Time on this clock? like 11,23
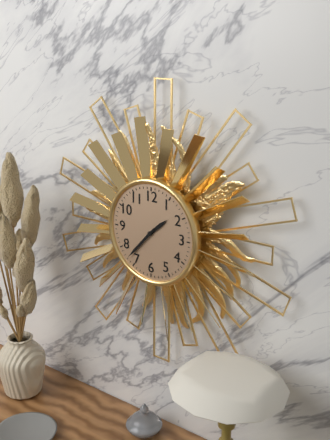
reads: 1,37
